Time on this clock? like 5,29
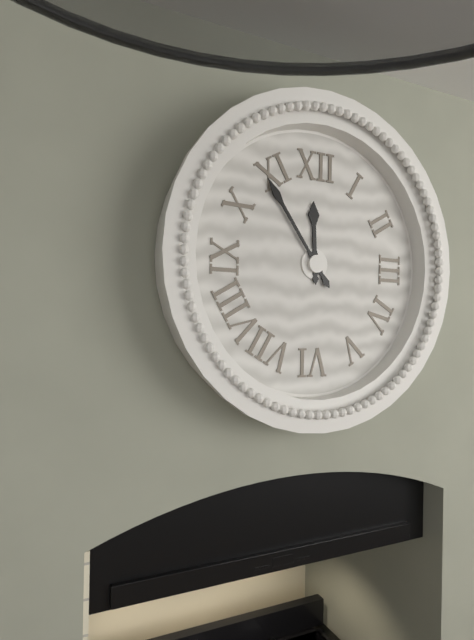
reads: 11,54
